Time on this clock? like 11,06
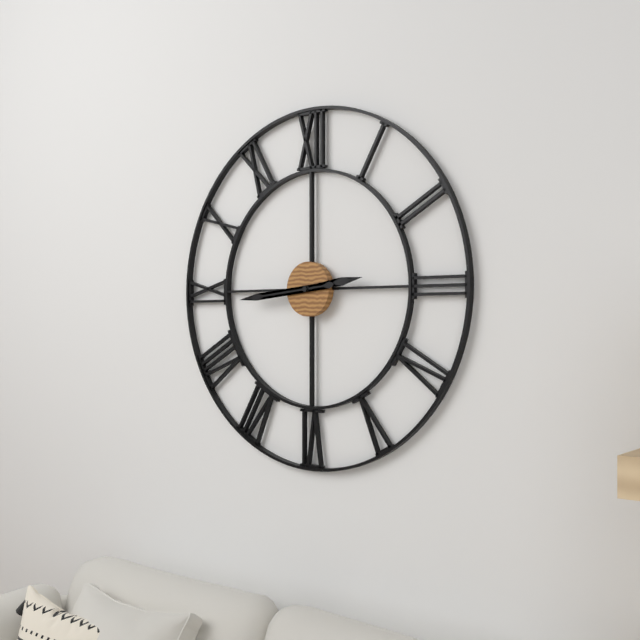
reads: 2,44
